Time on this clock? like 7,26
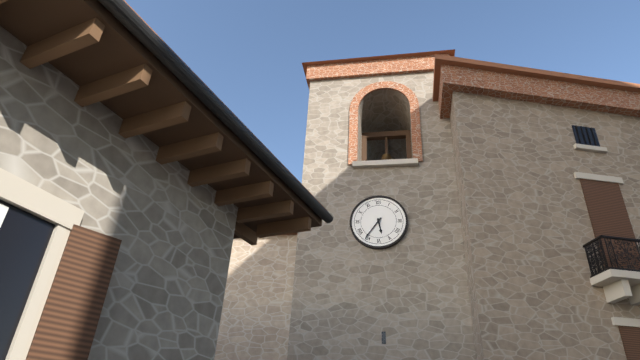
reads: 5,36
